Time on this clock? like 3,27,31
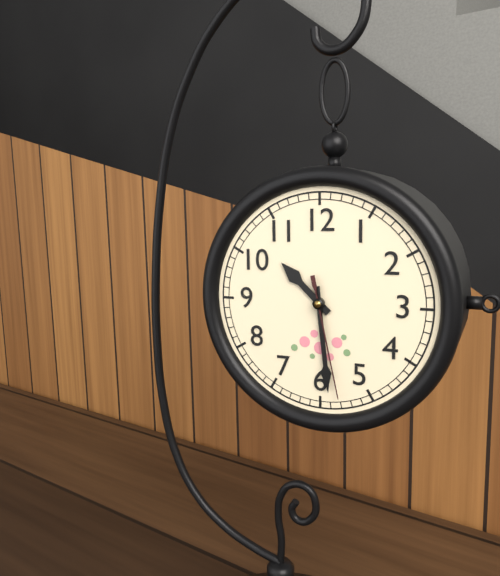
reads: 10,29,28
